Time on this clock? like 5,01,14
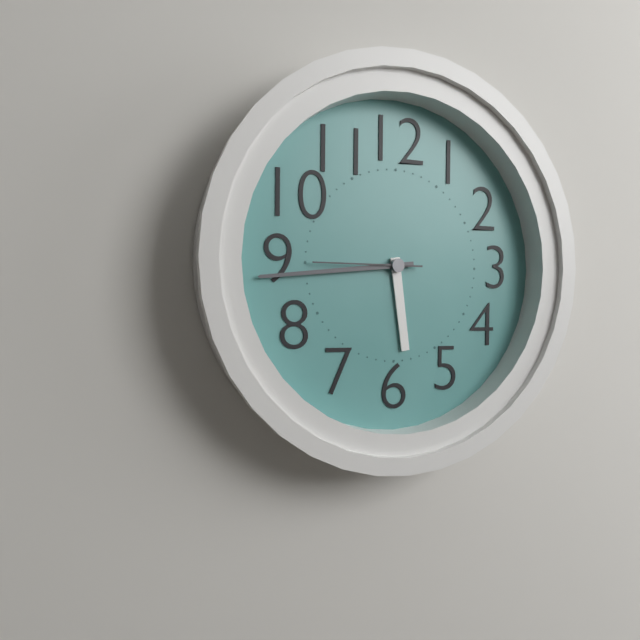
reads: 5,44,45
